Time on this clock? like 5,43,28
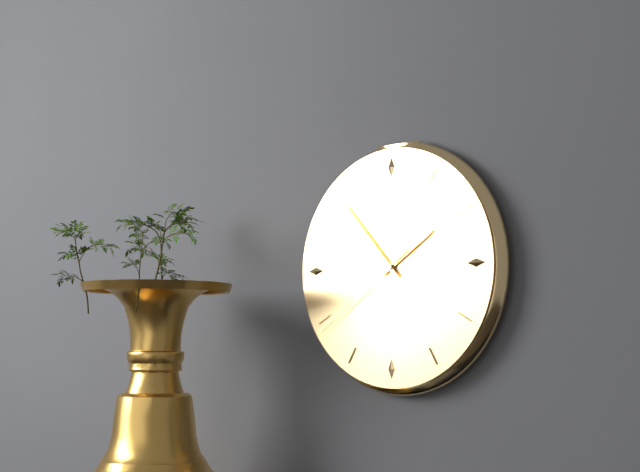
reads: 1,53,39
